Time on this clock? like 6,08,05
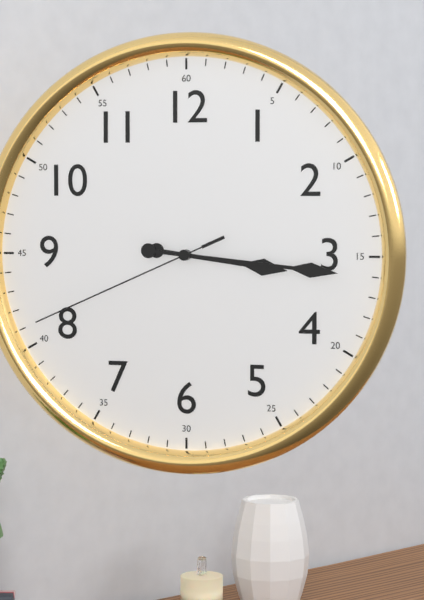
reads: 3,16,41
